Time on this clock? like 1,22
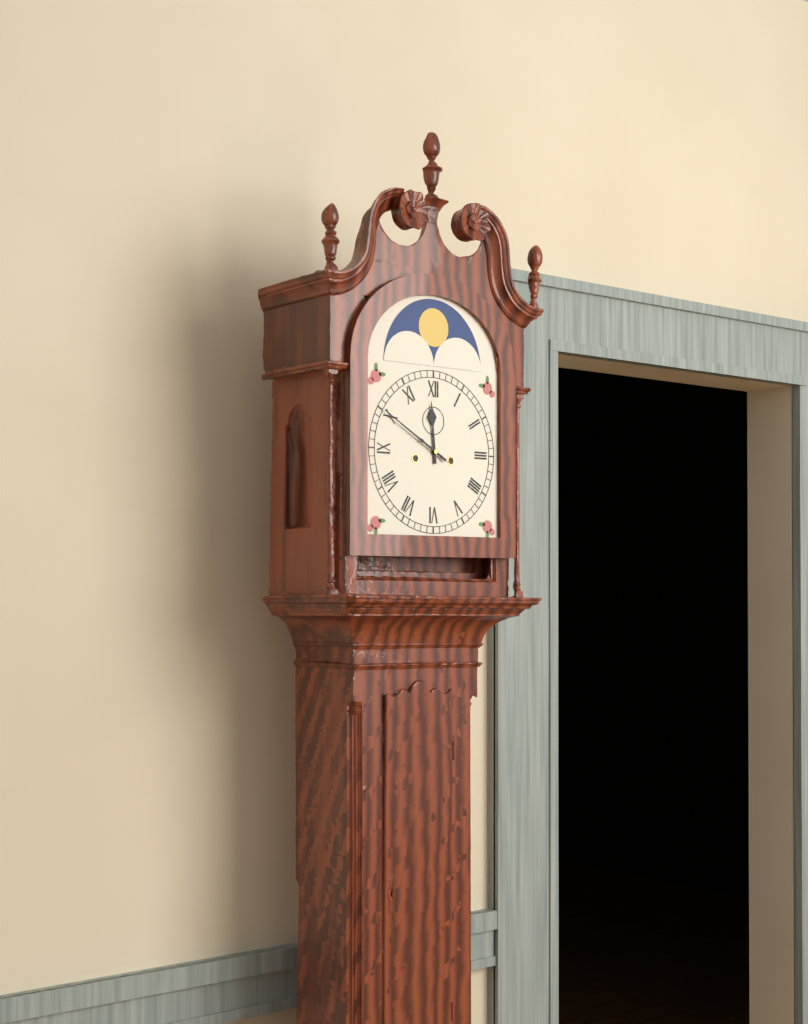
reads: 11,50
